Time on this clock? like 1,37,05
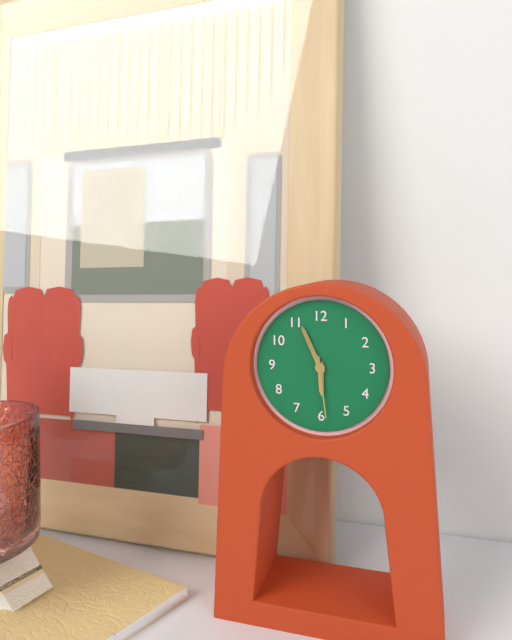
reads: 5,56,29
